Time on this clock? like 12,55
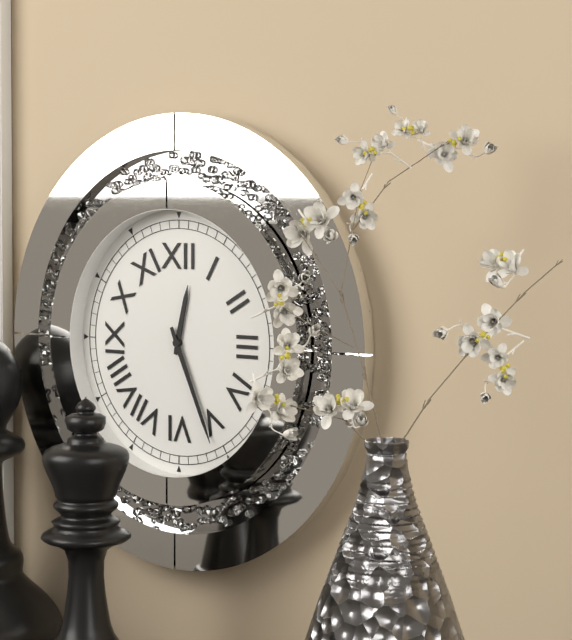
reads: 12,26
